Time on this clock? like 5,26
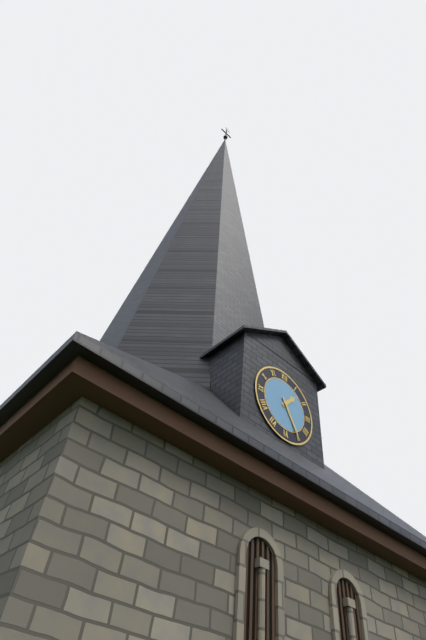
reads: 1,25
